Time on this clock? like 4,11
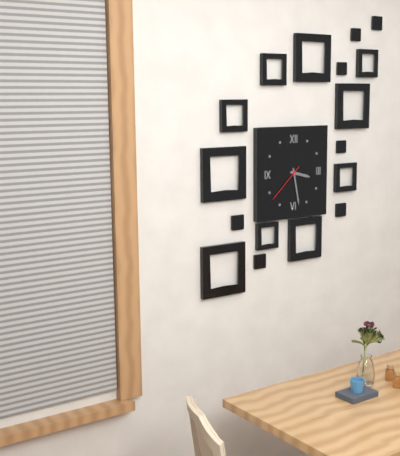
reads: 3,28
